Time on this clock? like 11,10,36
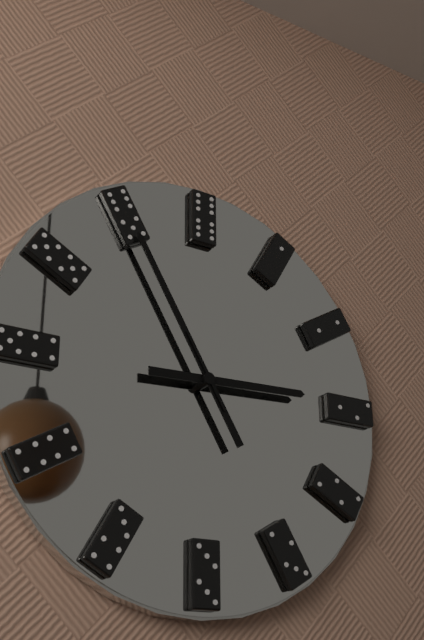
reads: 2,55,55
